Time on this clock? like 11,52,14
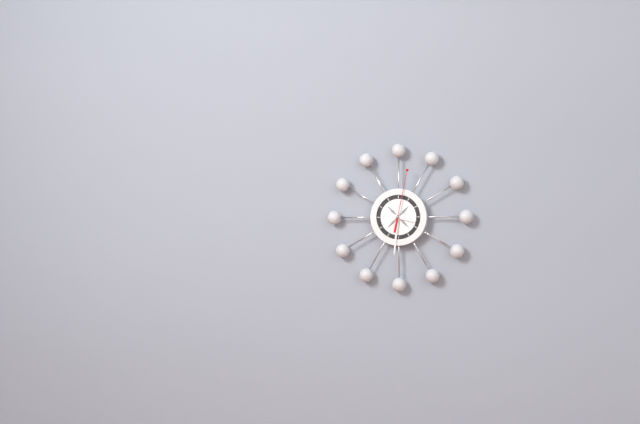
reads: 3,31,02
